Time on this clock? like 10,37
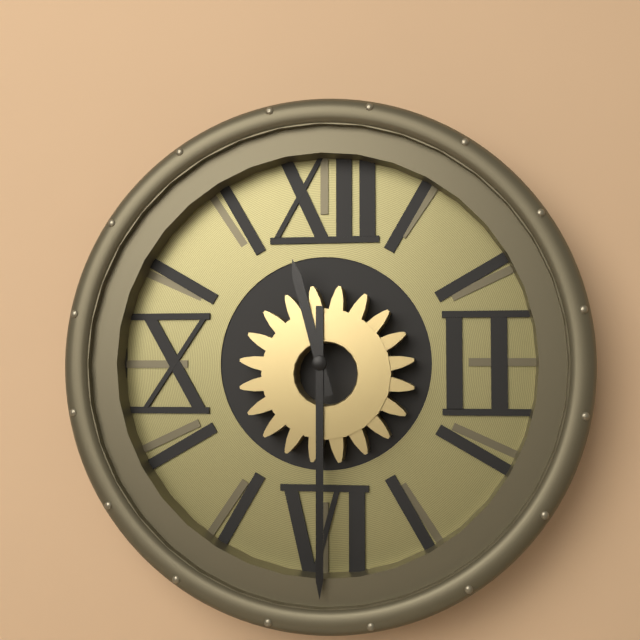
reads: 11,30
